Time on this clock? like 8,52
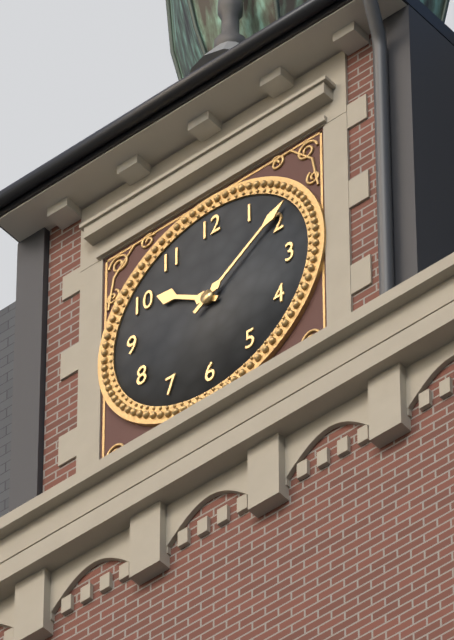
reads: 10,09
